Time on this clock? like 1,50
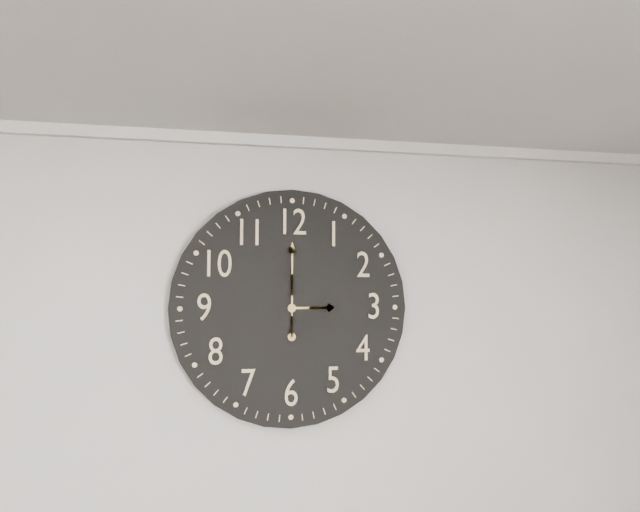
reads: 3,00
